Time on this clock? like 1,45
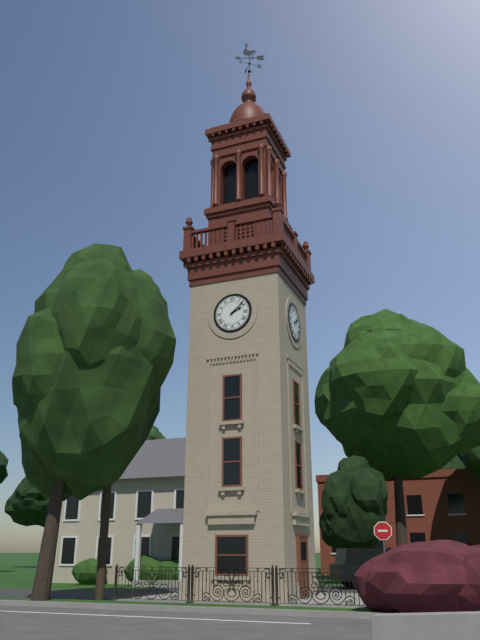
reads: 2,08
